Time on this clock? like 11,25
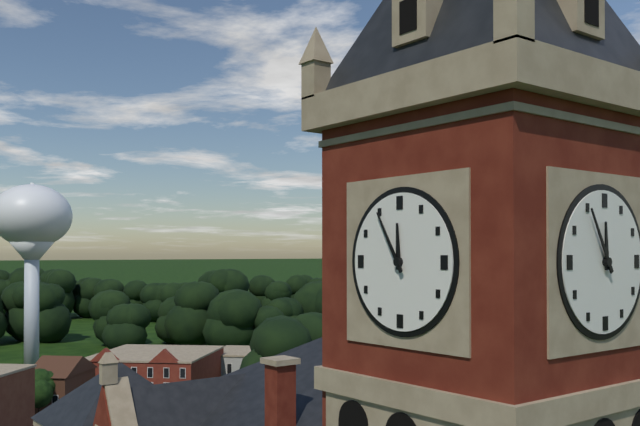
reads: 11,55
